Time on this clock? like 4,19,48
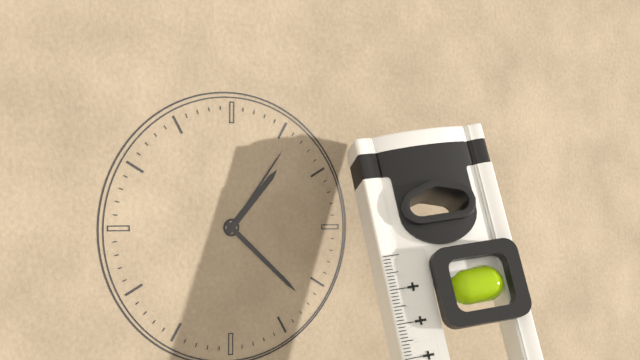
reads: 1,22,06
